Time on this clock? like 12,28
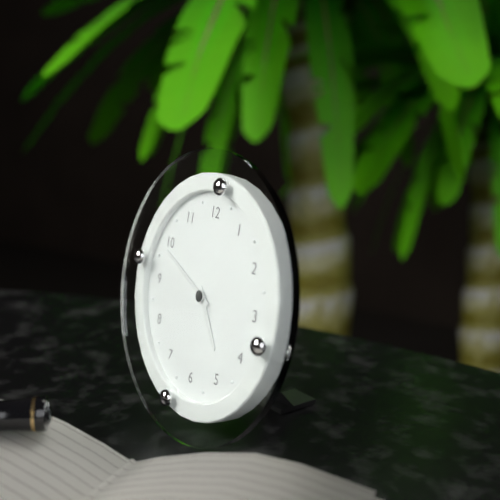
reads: 4,49
